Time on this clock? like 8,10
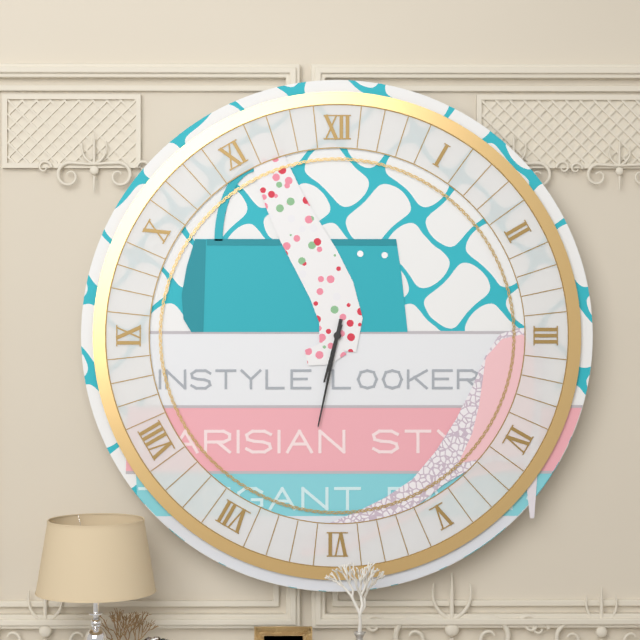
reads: 6,32
